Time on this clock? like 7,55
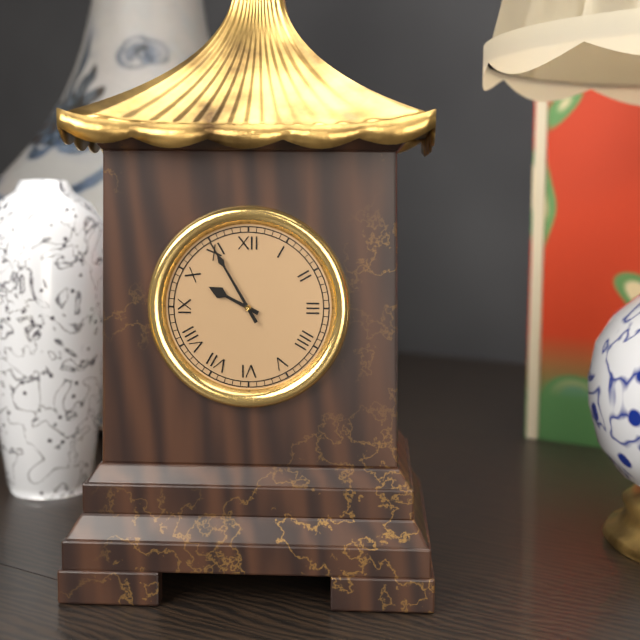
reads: 9,55
